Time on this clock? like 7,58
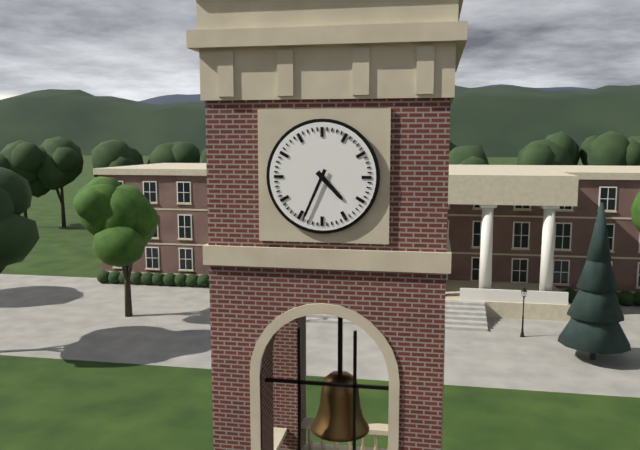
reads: 4,34
